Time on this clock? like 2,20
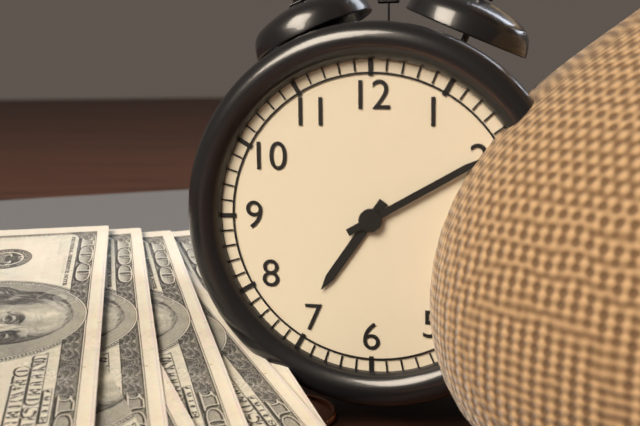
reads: 7,10
